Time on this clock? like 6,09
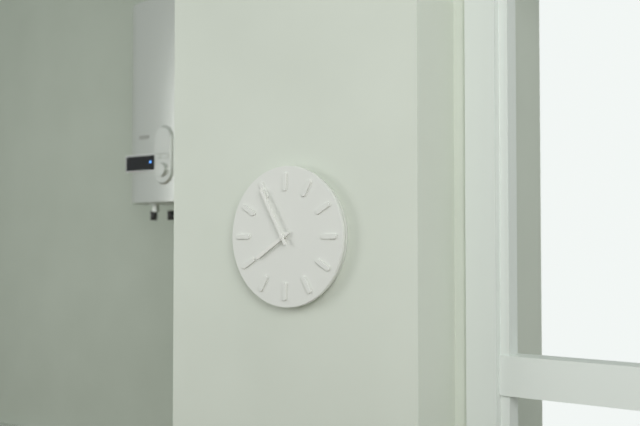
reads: 7,55
